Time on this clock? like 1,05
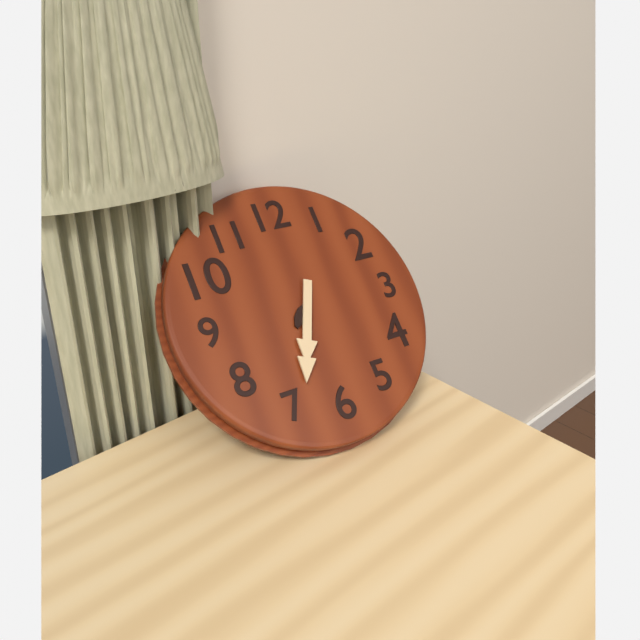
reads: 7,34
